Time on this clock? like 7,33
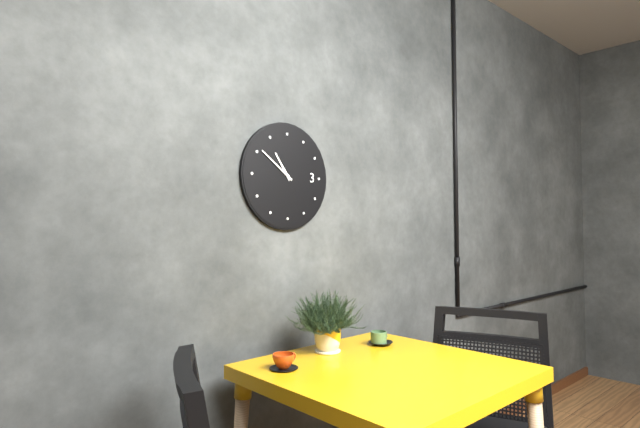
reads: 10,51
